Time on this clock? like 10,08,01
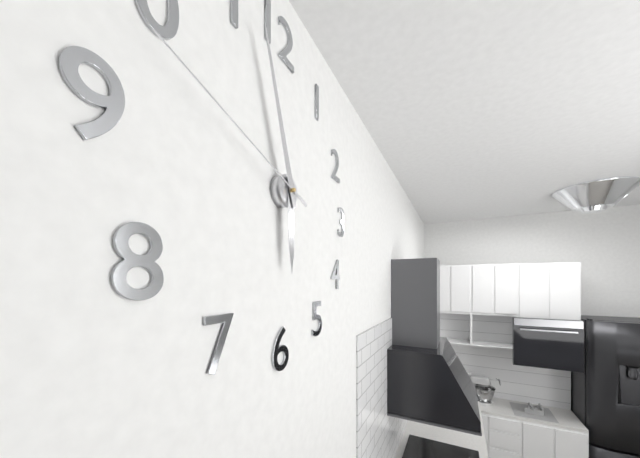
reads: 5,57,48
